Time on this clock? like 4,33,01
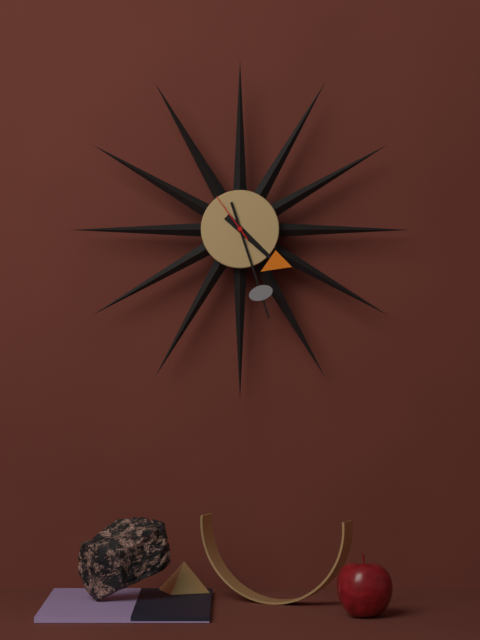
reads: 4,27,54
